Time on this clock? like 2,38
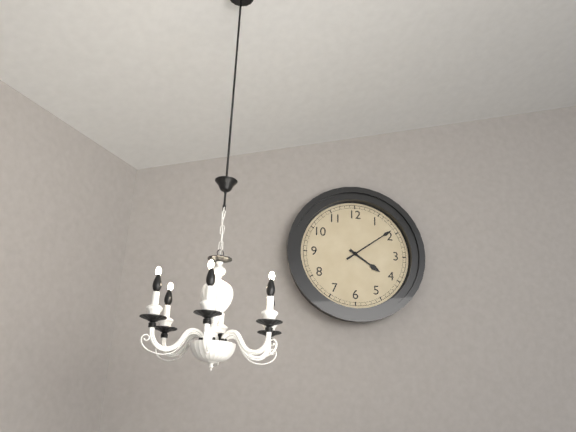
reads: 4,09
